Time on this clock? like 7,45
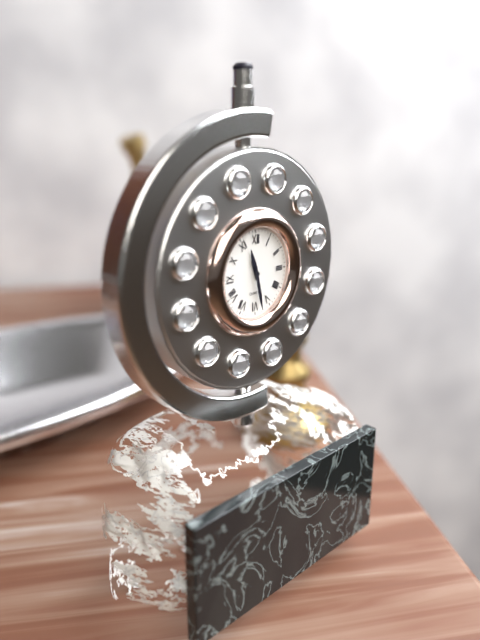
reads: 11,28
